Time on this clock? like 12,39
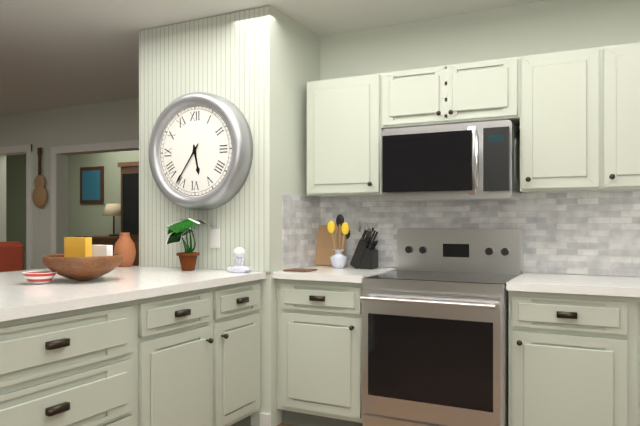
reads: 5,36
